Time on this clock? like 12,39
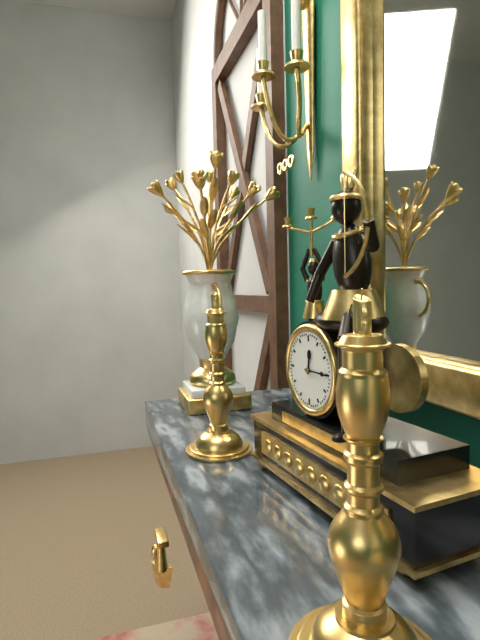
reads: 12,15
